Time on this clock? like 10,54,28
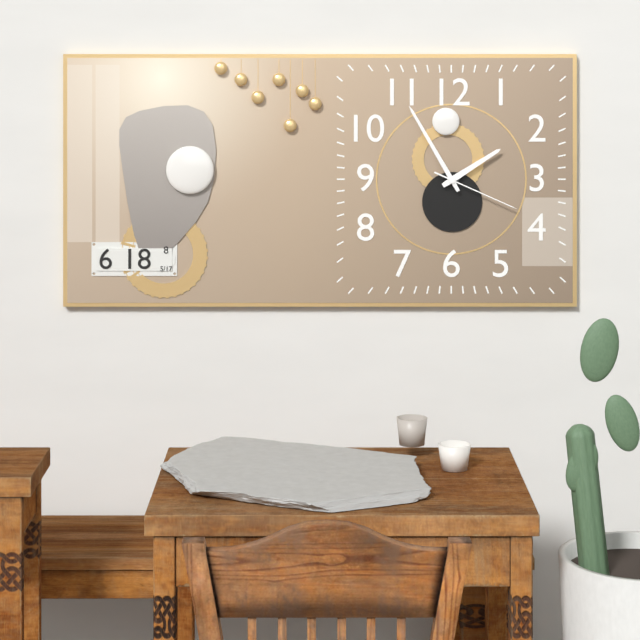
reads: 1,55,19
